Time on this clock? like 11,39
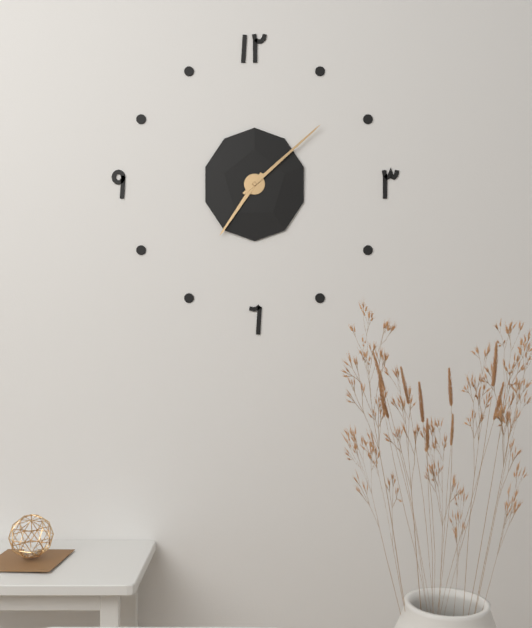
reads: 7,08
